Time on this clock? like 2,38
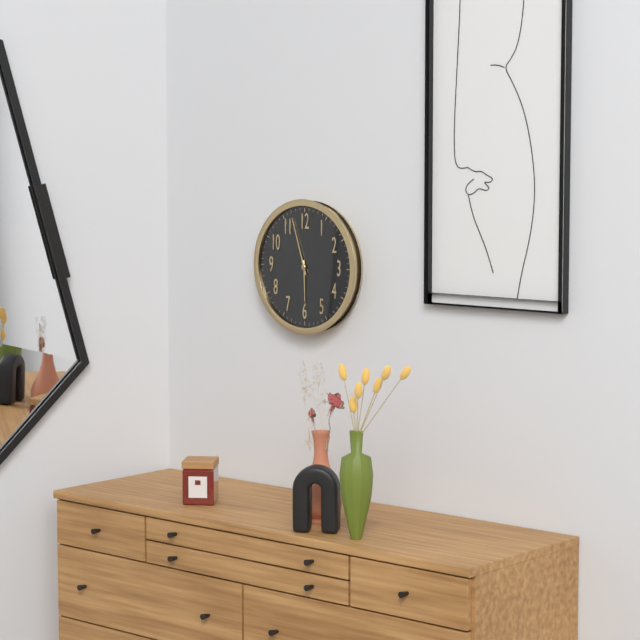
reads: 5,57
